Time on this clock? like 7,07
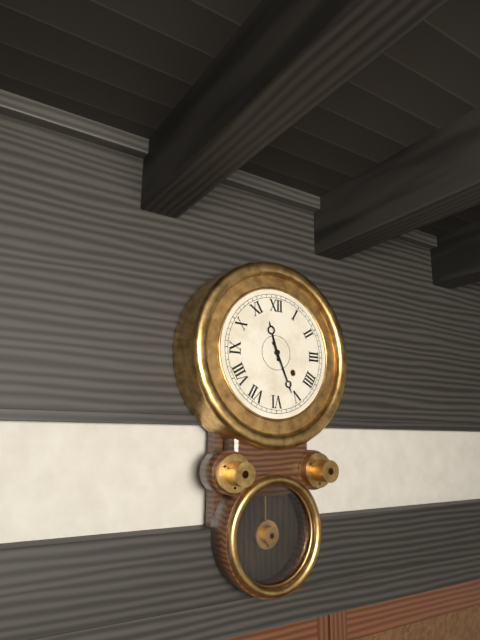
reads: 11,26
